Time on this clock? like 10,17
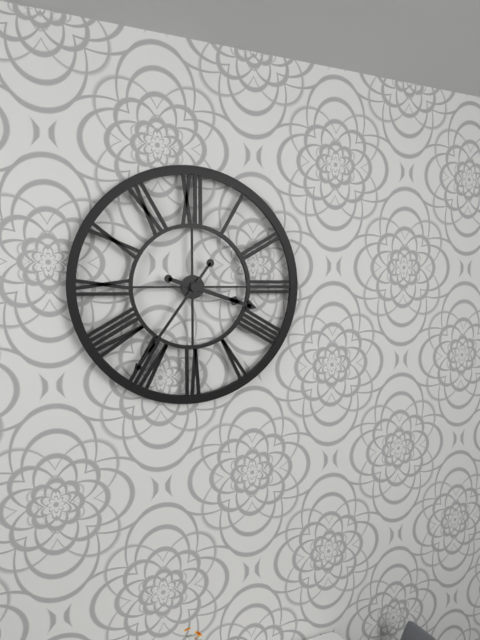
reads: 3,36
